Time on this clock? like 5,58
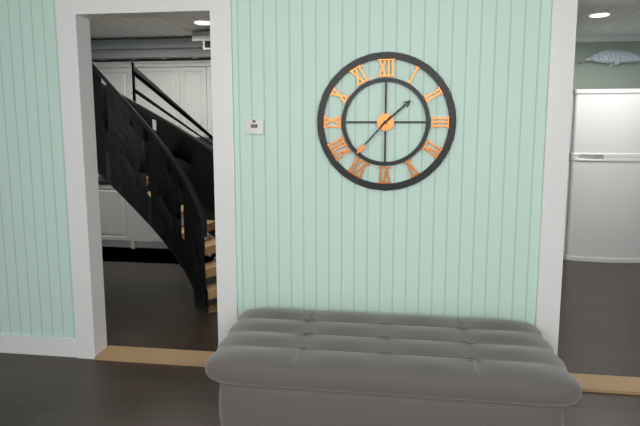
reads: 1,37
